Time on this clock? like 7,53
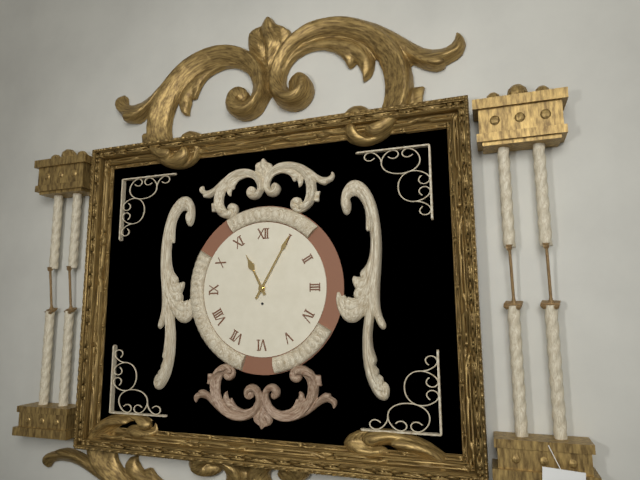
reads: 11,05
